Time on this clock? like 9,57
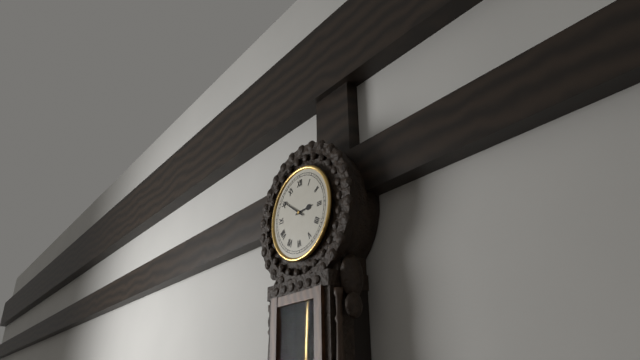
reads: 2,51
